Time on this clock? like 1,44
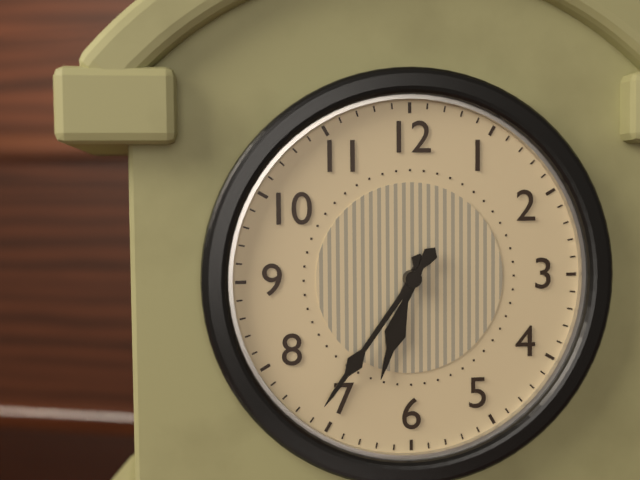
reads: 6,36
